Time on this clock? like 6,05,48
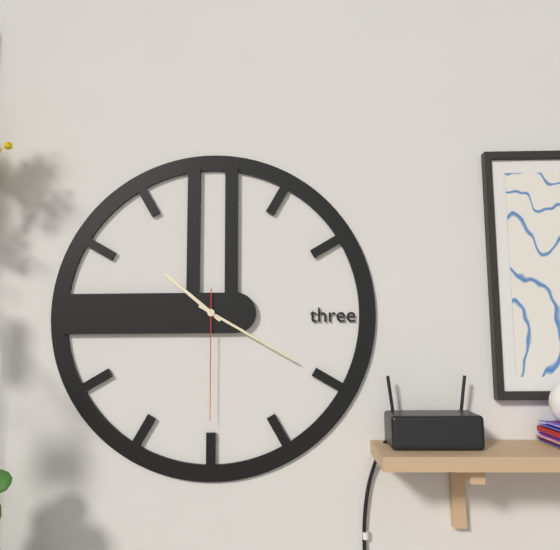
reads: 10,20,30
